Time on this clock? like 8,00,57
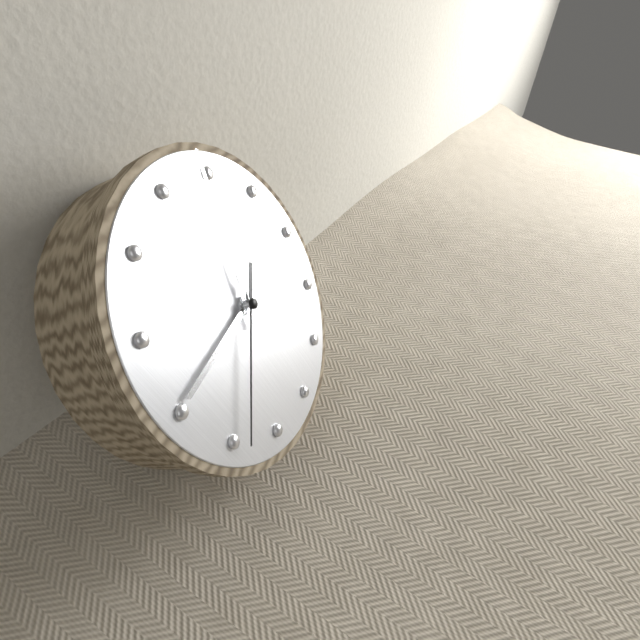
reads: 9,04,39
